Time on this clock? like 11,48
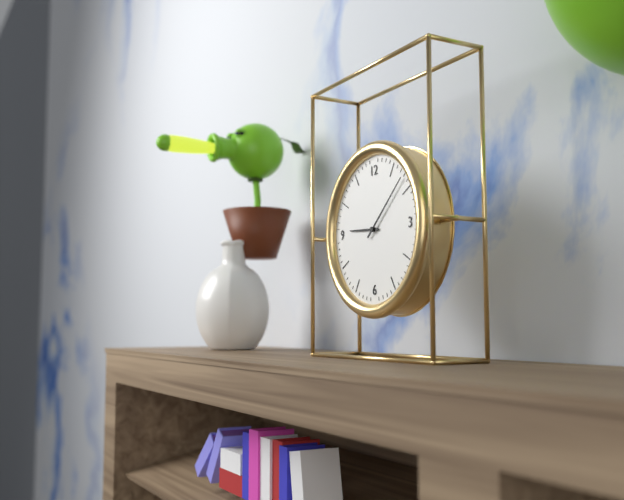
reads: 9,08
